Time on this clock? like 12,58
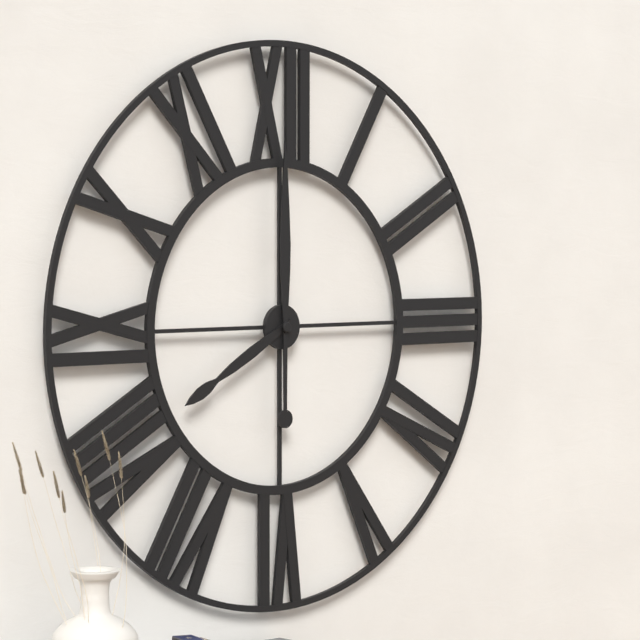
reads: 8,00
